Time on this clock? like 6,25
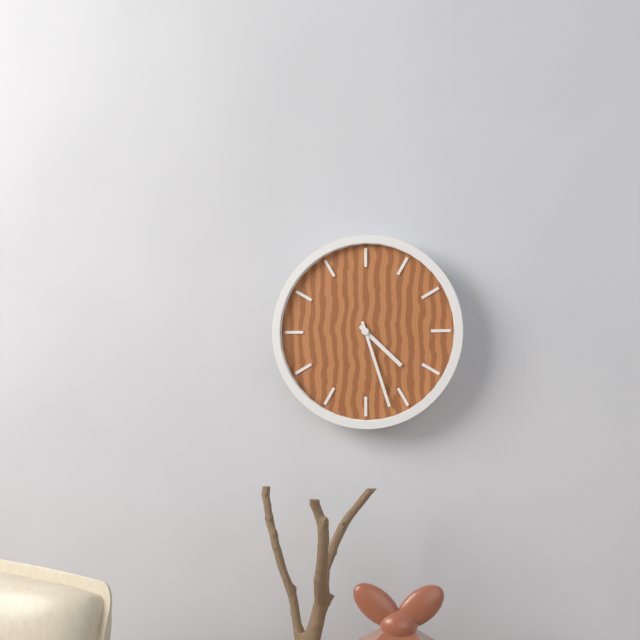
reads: 4,27
